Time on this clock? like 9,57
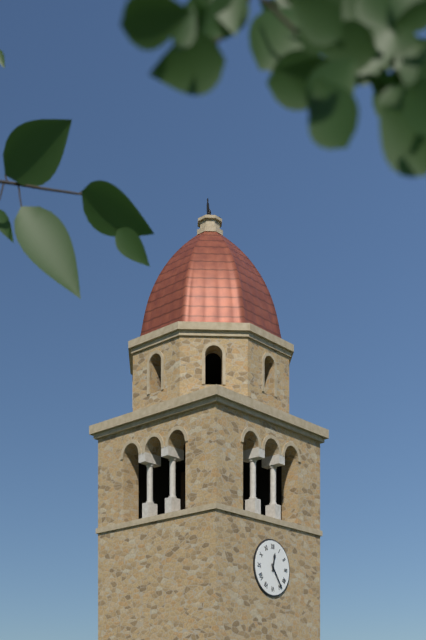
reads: 12,24
